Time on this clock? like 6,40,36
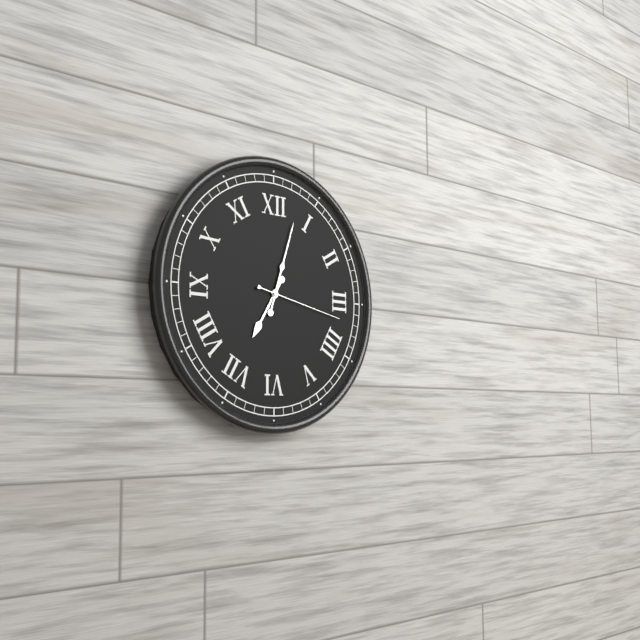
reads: 7,03,17
